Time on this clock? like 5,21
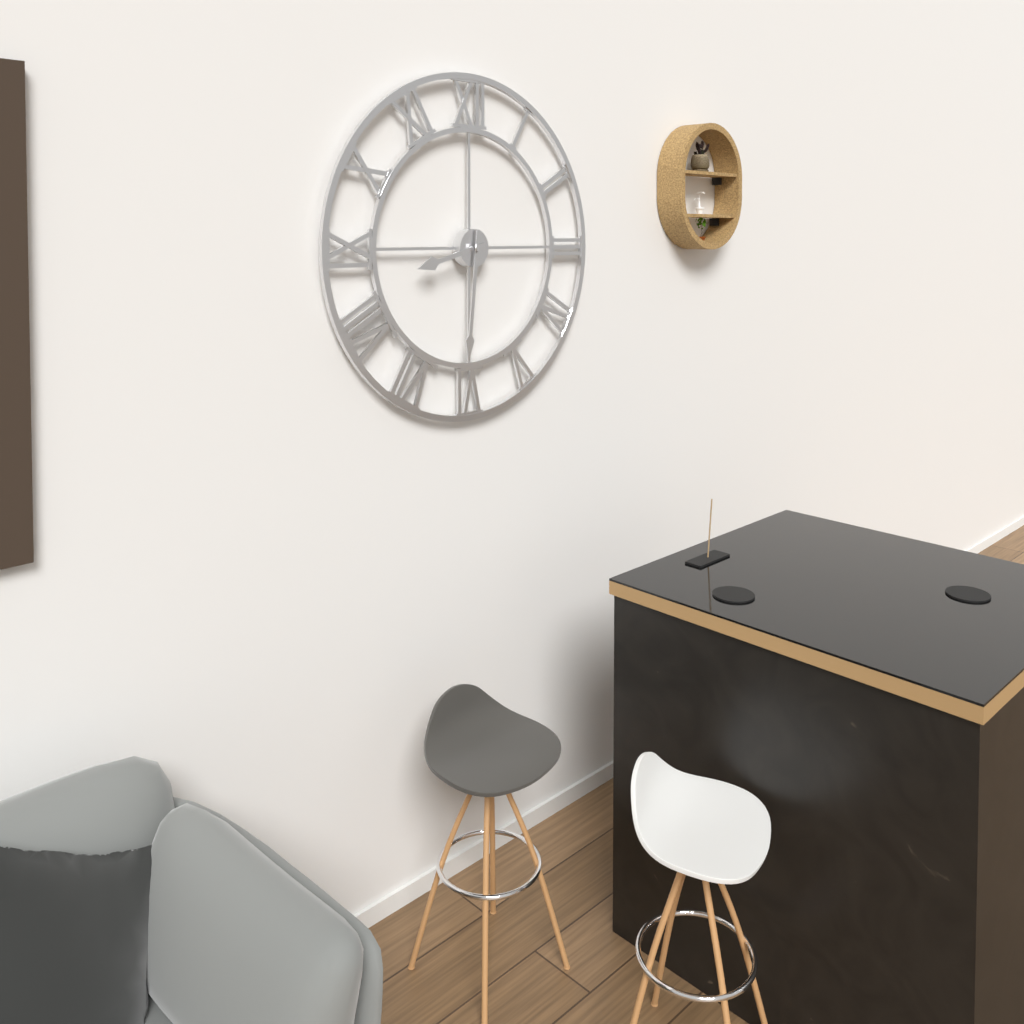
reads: 8,31
